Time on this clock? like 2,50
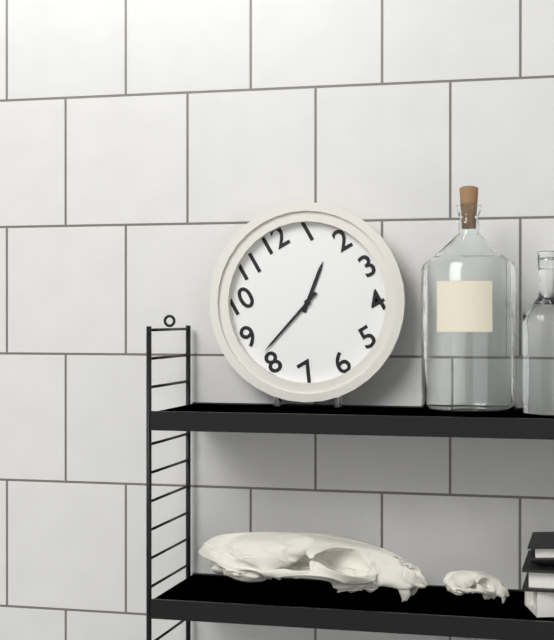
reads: 1,42
